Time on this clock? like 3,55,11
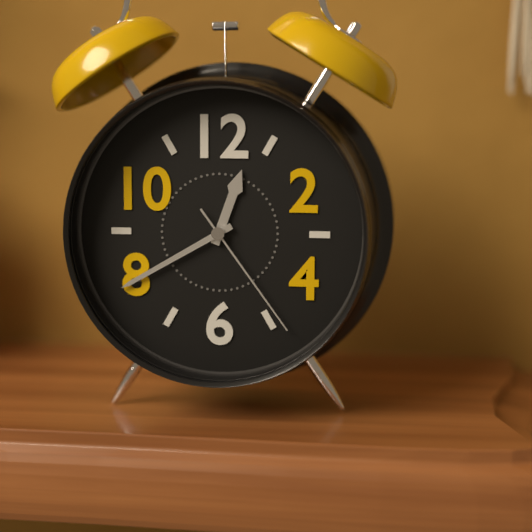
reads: 12,40,24
